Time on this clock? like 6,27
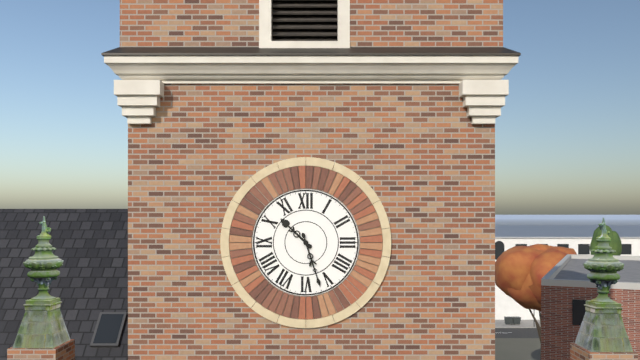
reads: 10,27
